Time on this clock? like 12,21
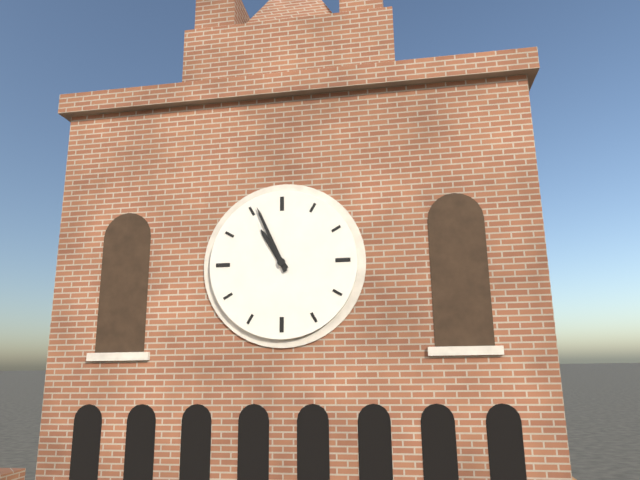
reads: 10,56
